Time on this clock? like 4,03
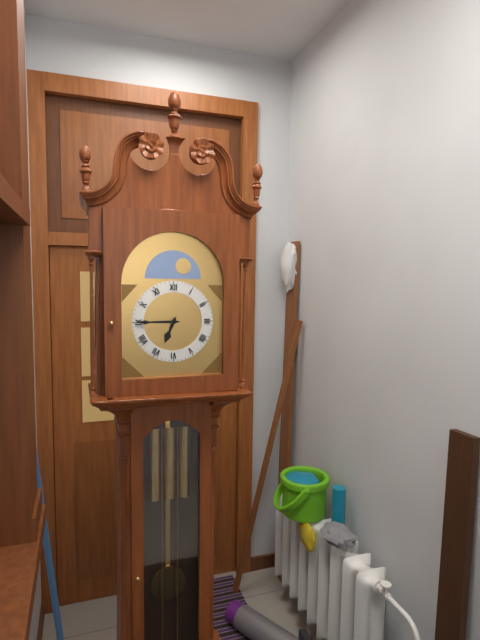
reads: 6,45
